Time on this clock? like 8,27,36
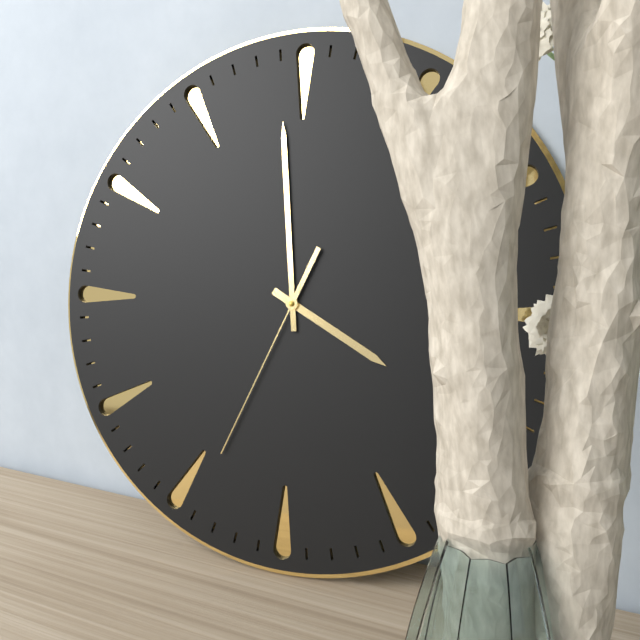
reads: 3,59,34
